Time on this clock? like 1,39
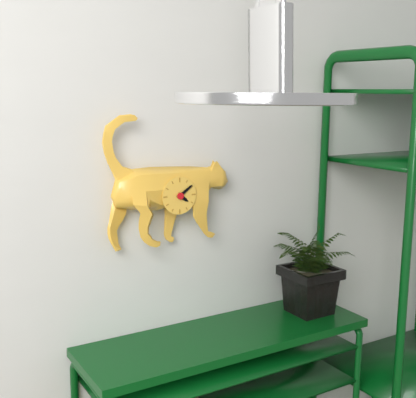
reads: 4,09
